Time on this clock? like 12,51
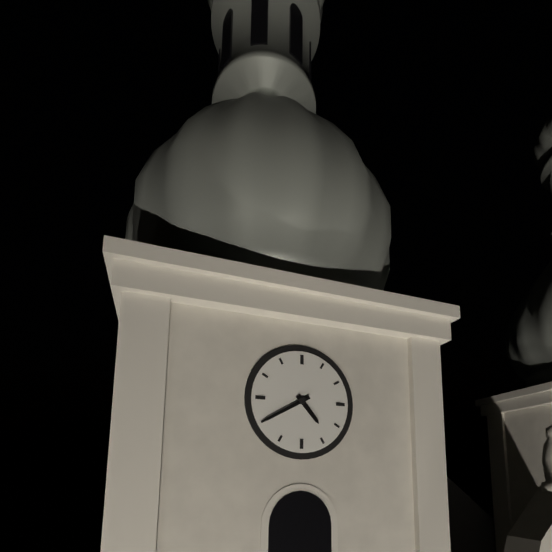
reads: 4,40
